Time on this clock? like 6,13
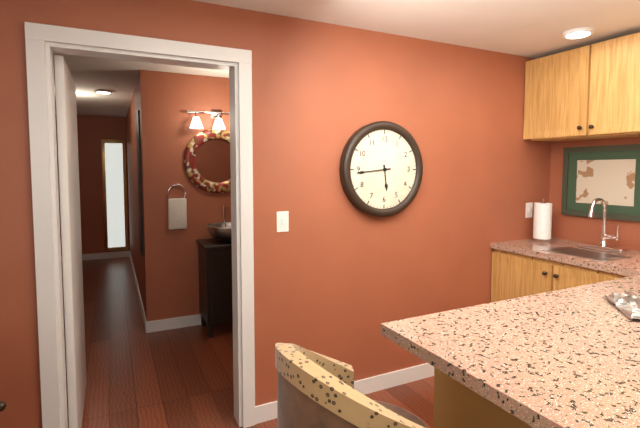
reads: 5,44
